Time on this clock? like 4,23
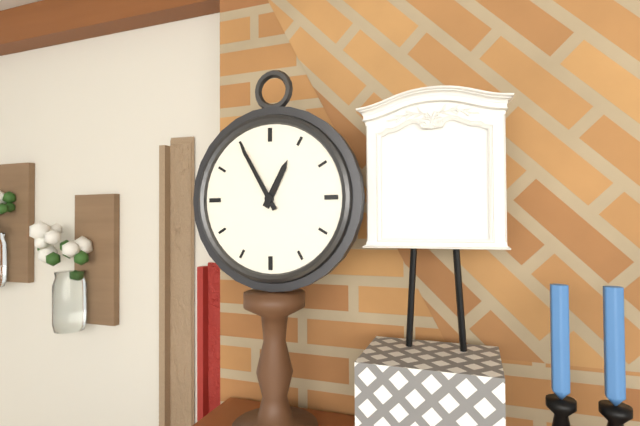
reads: 12,55
